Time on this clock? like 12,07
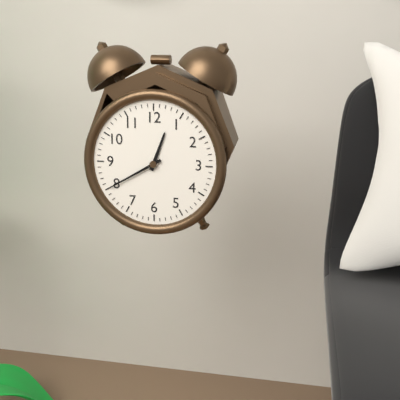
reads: 12,40
